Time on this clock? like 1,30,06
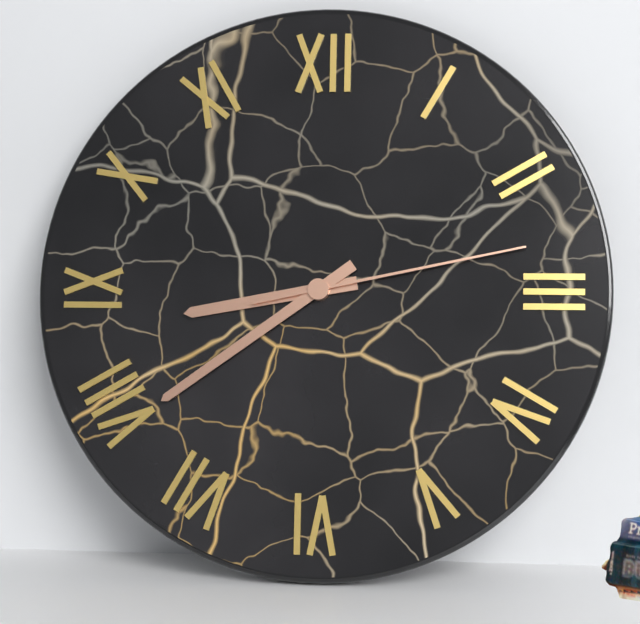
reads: 8,39,13
